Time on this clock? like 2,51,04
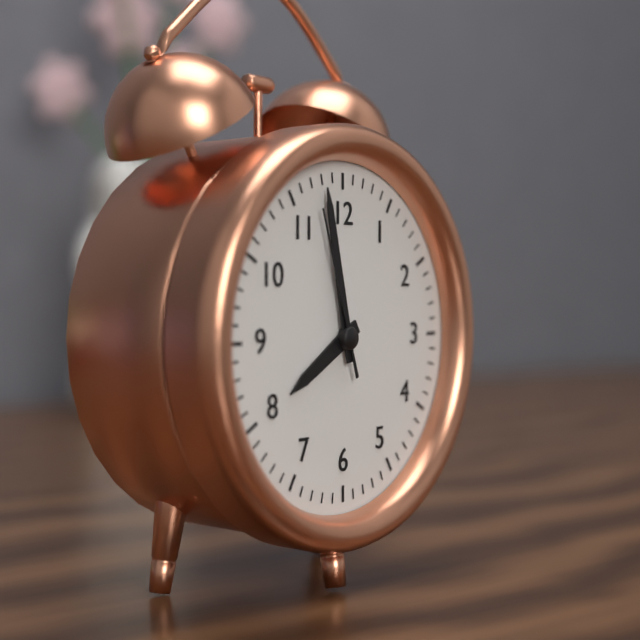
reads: 7,58,57
